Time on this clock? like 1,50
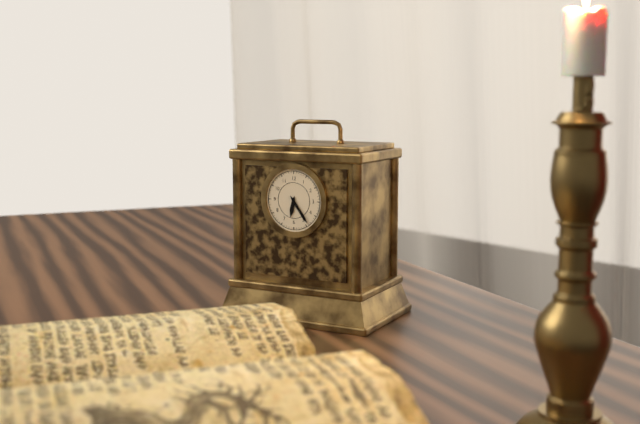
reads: 6,24
